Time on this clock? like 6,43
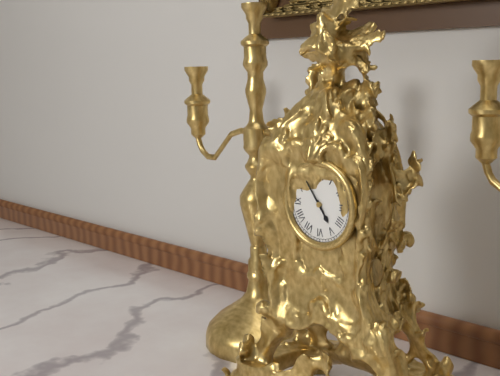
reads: 4,54
